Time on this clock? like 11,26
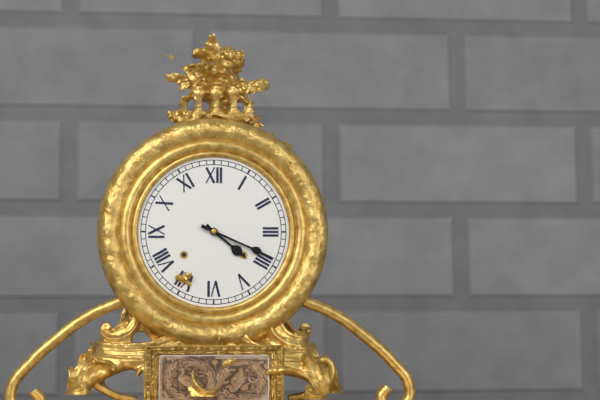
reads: 4,19
